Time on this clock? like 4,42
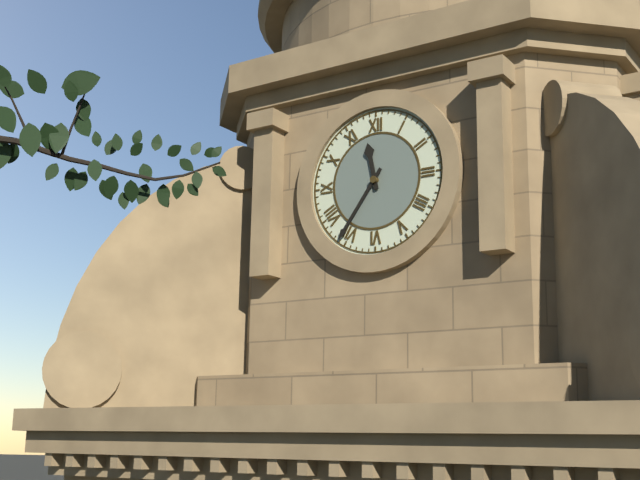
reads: 11,36
